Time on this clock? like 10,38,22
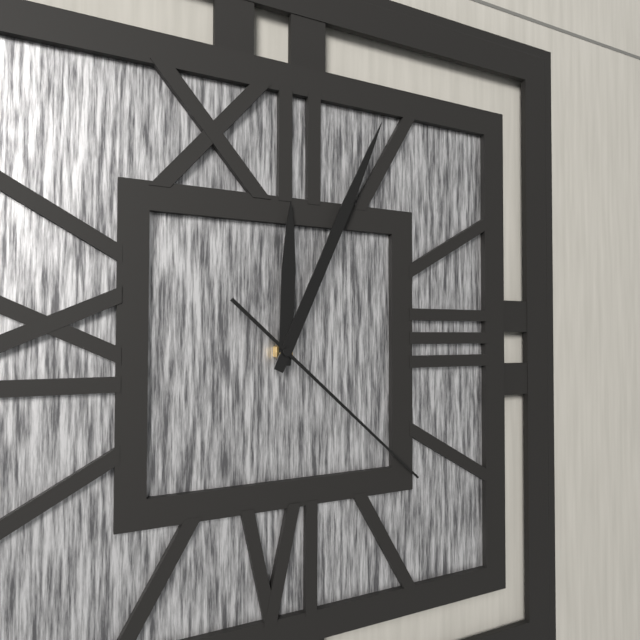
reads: 12,04,22
